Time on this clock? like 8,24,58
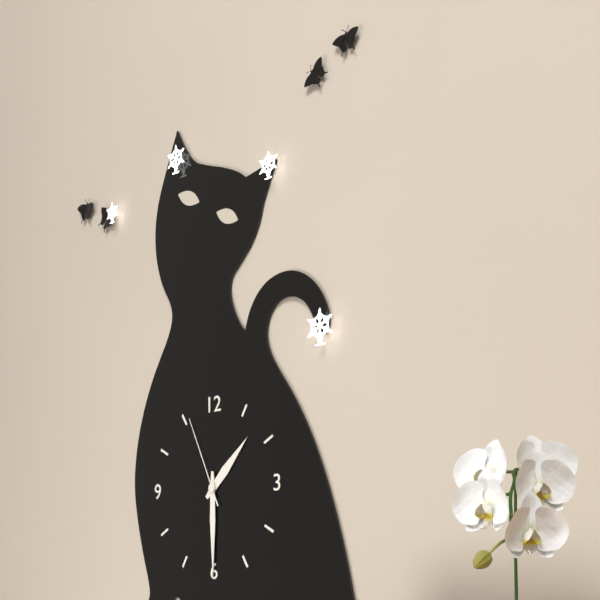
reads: 1,30,56
